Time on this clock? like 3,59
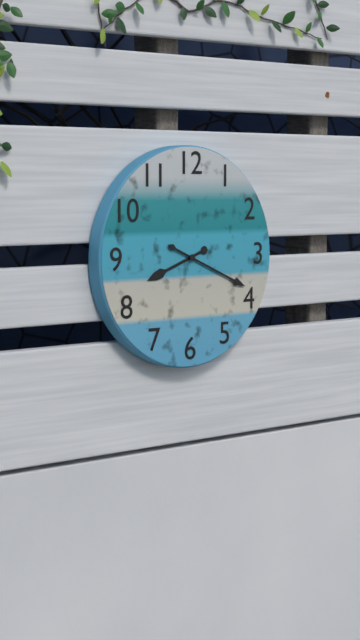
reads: 8,19
